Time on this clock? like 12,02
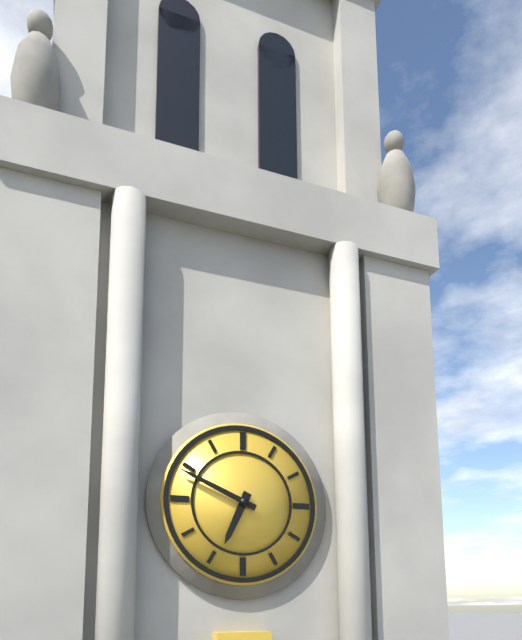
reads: 6,49
